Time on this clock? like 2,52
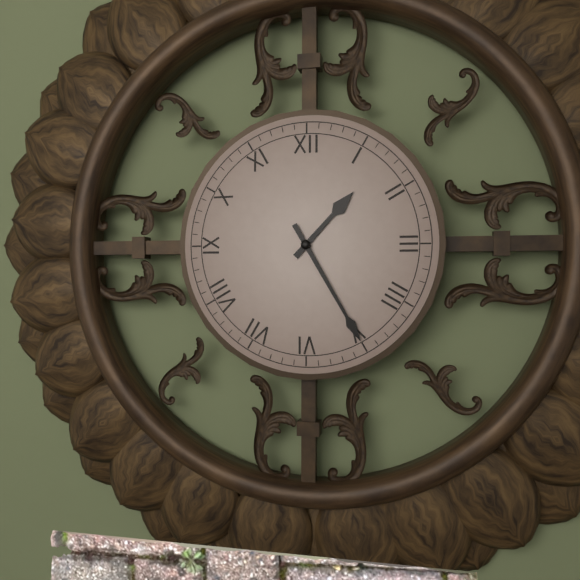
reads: 1,25
